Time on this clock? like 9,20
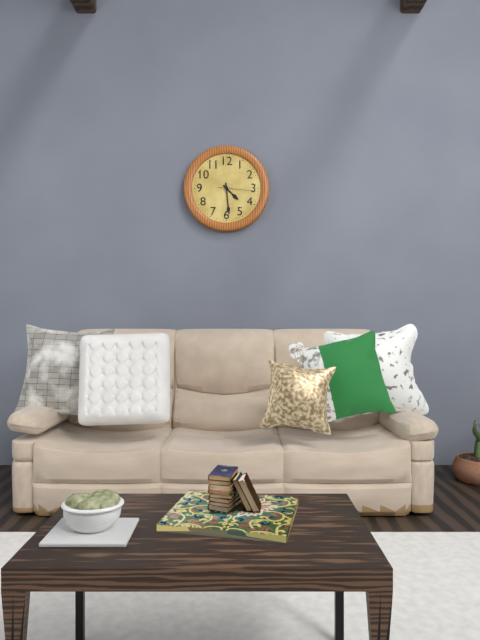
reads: 4,29
